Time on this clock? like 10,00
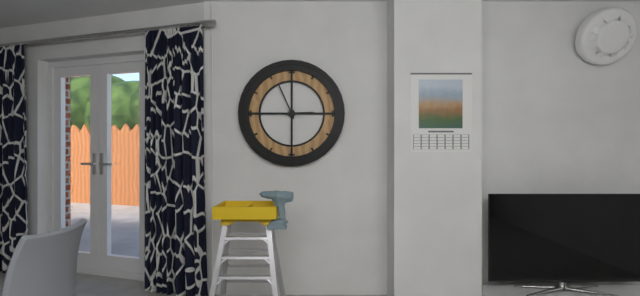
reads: 2,56
